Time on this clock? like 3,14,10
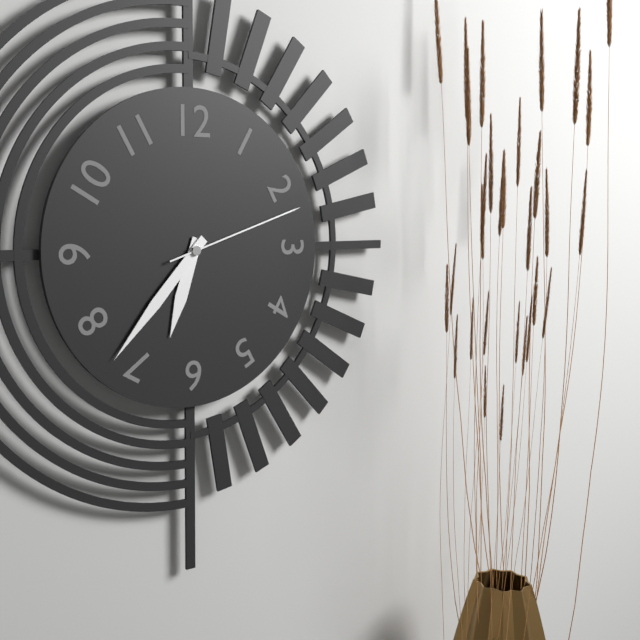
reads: 6,37,12
